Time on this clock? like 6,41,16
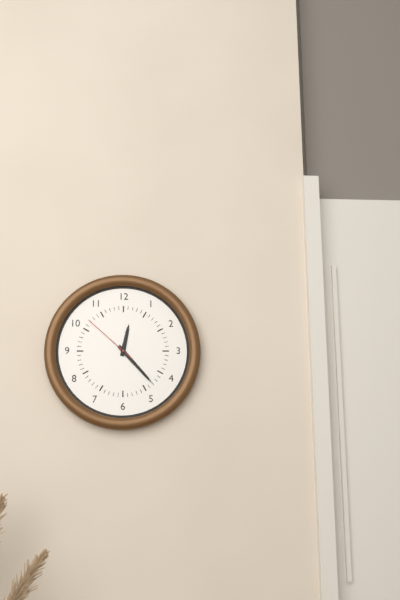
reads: 12,23,52
